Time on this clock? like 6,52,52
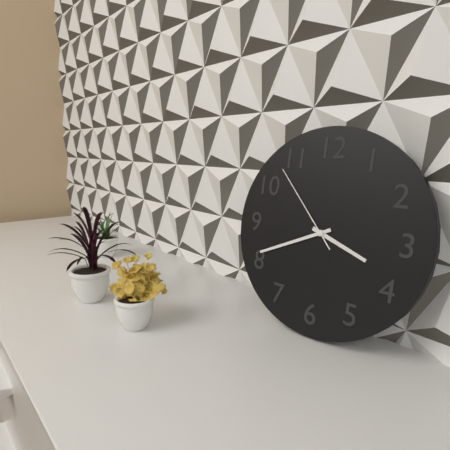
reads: 3,41,53
